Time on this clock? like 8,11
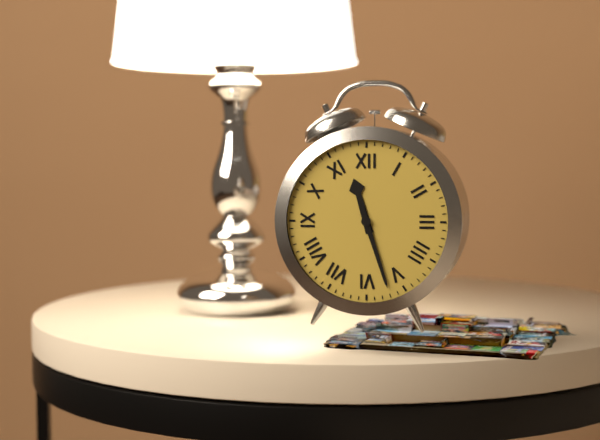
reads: 11,27
